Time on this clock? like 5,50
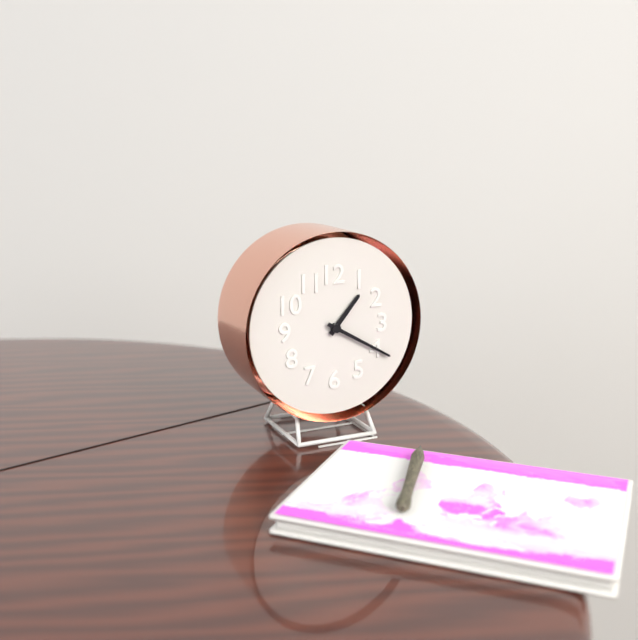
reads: 1,20
